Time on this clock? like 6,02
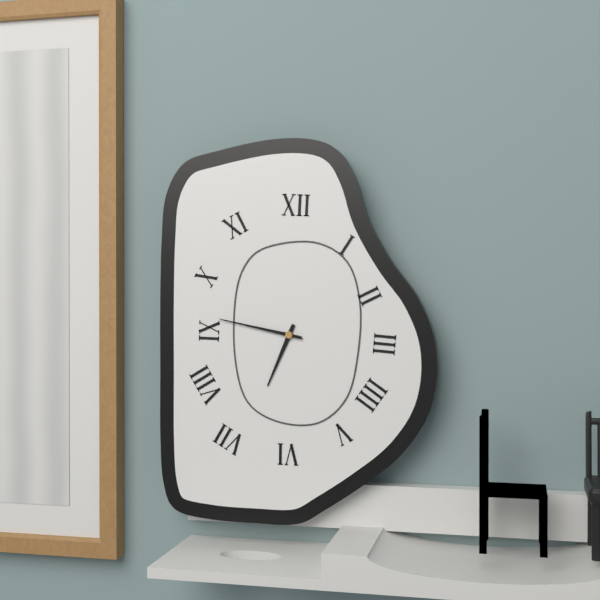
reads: 6,47
